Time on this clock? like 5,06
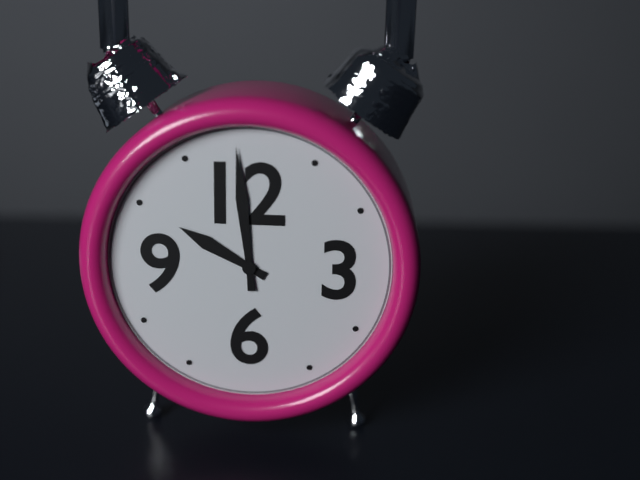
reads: 9,59
